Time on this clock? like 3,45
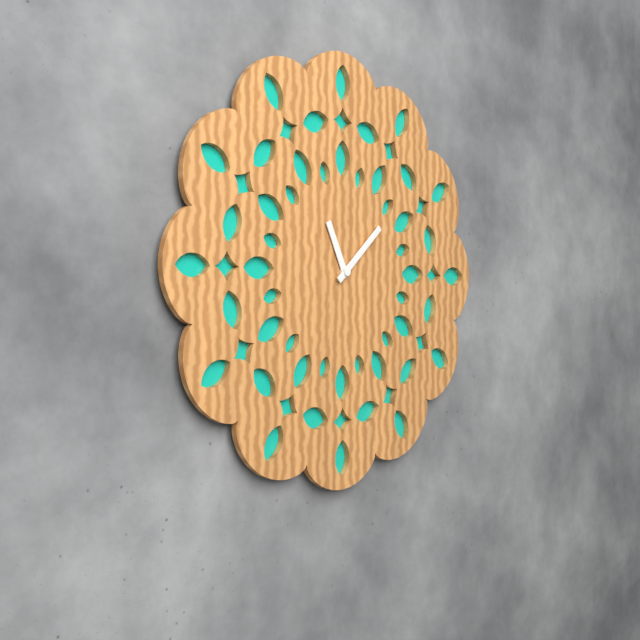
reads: 11,08
